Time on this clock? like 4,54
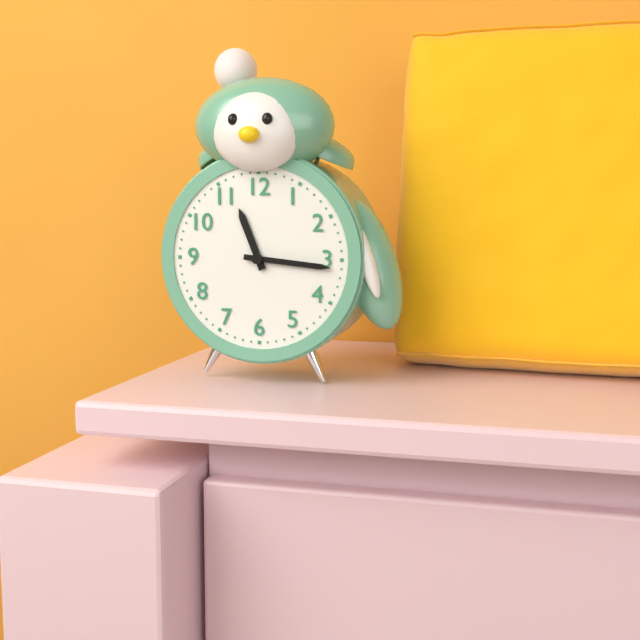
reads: 11,16
